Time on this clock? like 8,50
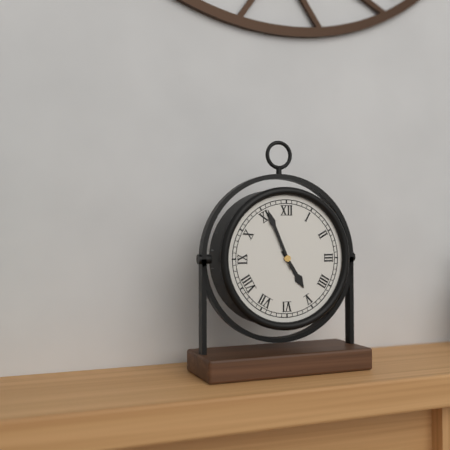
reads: 4,56
